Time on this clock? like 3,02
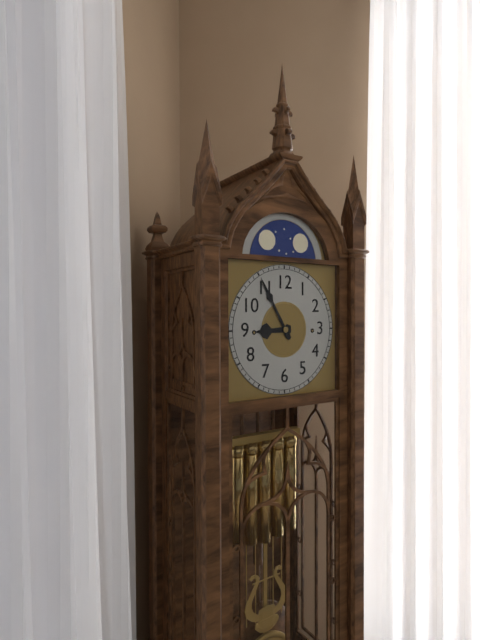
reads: 8,55
